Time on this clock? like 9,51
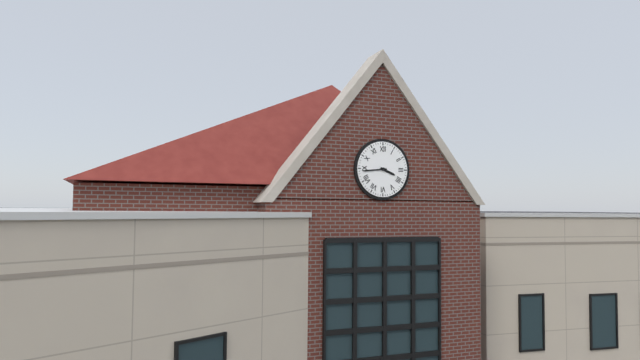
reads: 3,44
